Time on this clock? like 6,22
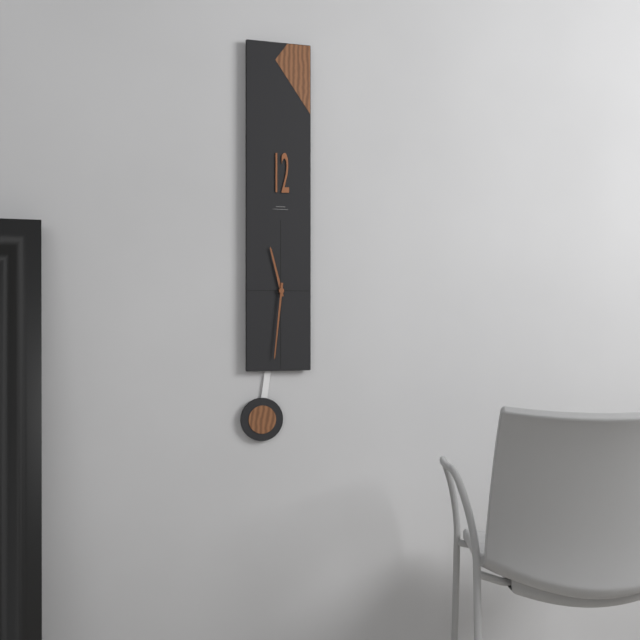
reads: 11,31
